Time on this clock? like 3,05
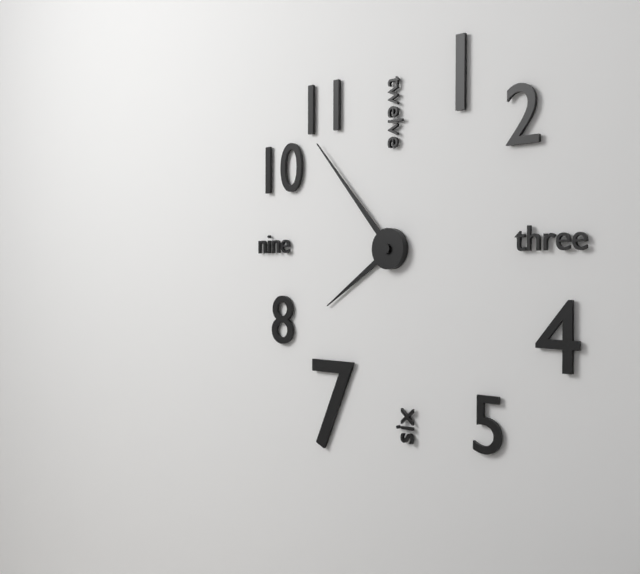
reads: 7,53
